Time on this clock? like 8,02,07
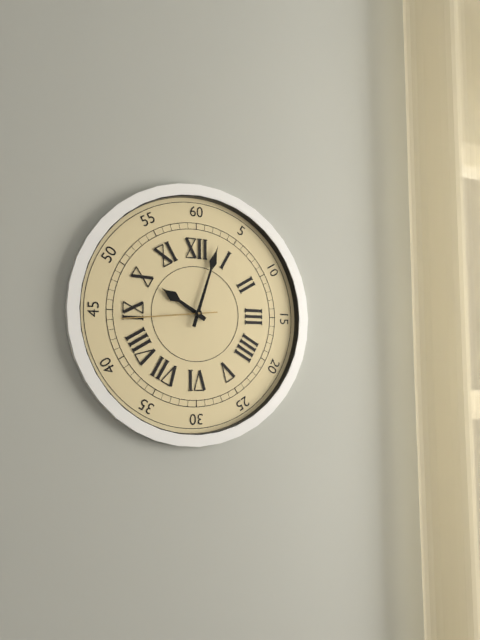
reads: 10,03,44
